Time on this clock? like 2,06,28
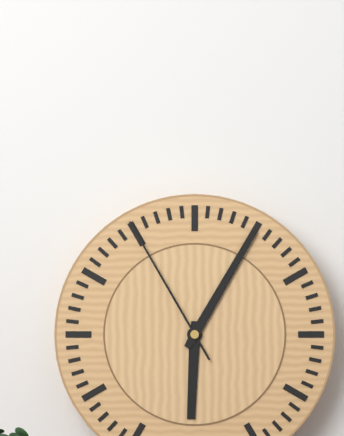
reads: 6,05,55
